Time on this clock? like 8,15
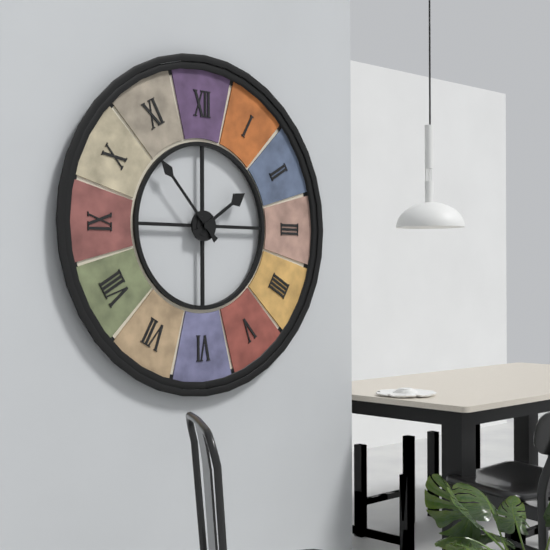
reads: 1,53
